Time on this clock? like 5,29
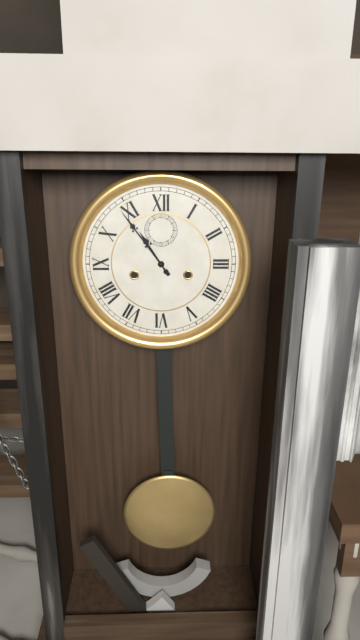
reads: 10,54
